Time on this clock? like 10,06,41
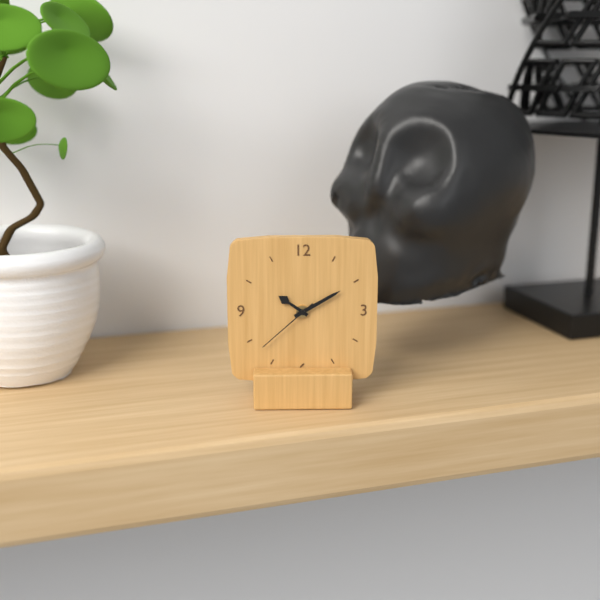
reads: 10,10,38
